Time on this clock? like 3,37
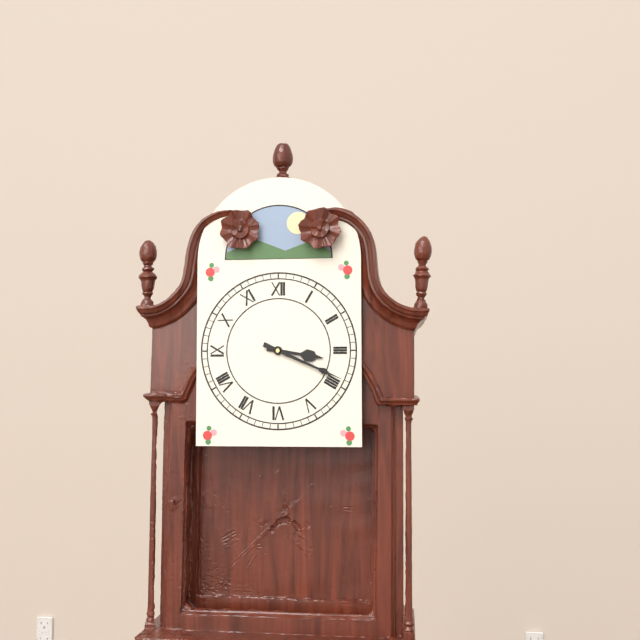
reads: 3,19
